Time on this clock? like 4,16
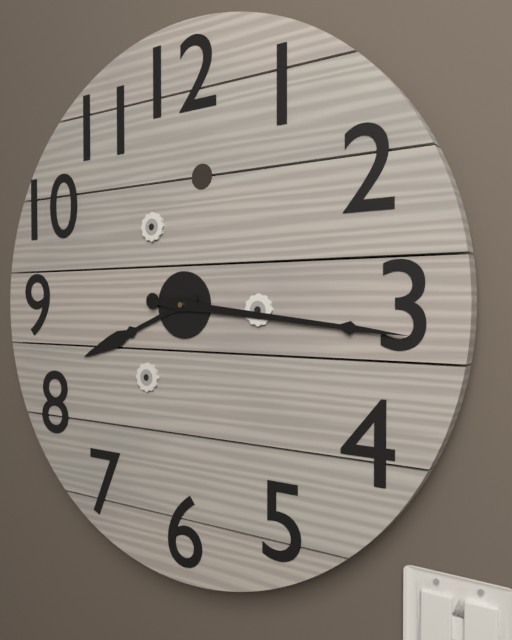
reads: 8,16
